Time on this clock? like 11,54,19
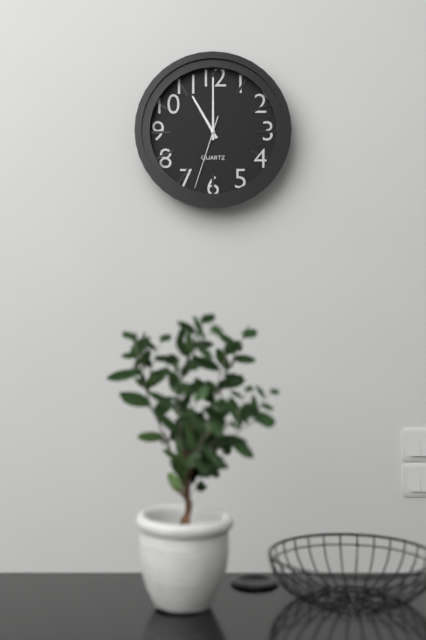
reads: 11,00,33
